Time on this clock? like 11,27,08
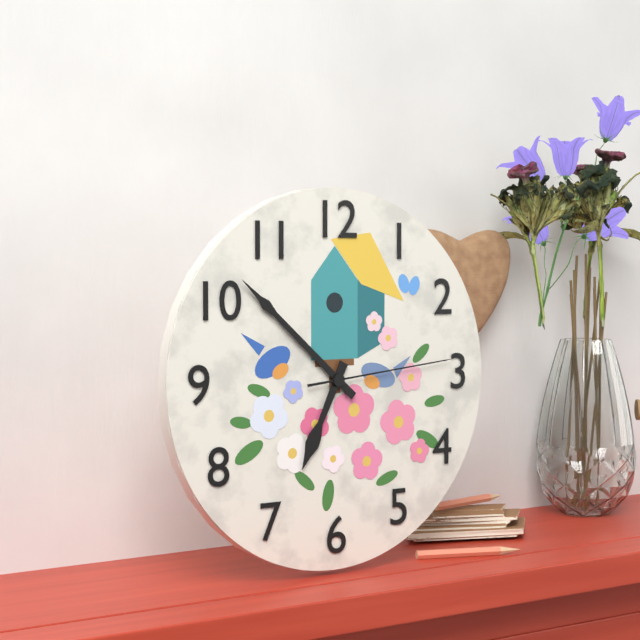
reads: 6,52,14
